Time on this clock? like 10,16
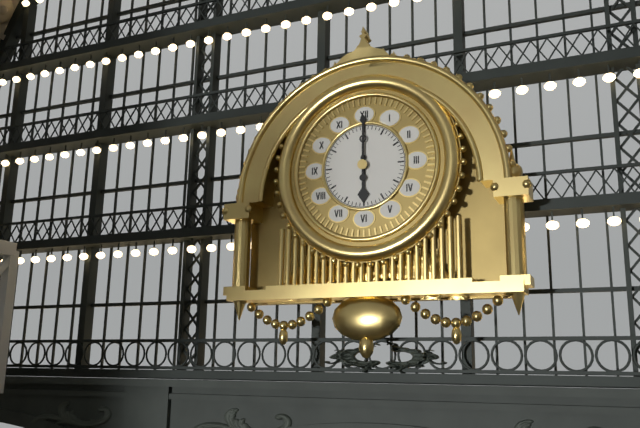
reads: 6,00
